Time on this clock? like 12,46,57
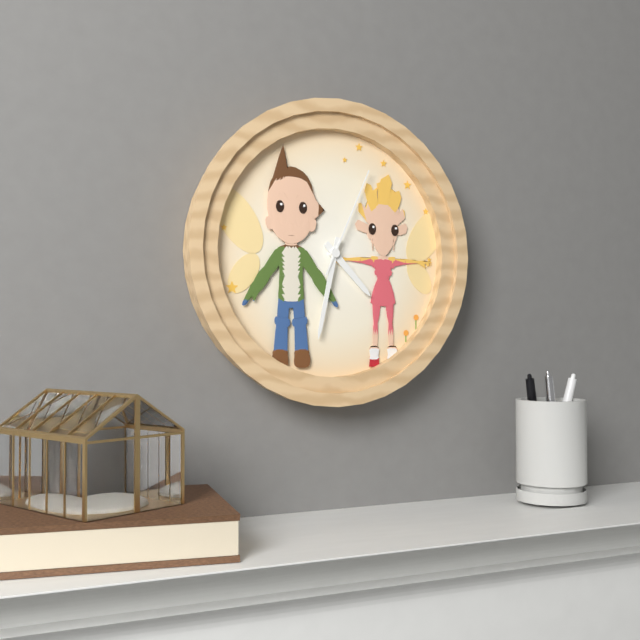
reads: 4,32,04
